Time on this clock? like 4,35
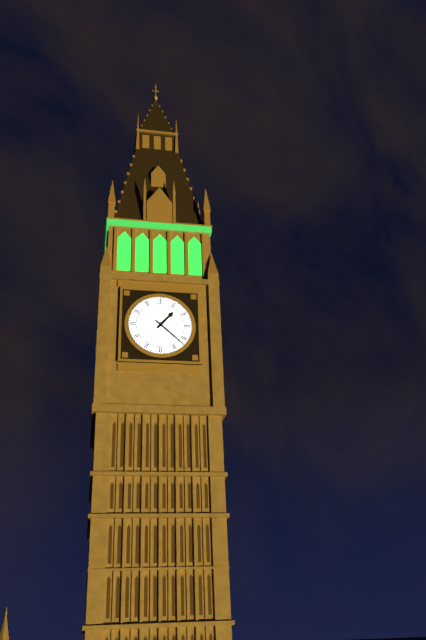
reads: 1,22
